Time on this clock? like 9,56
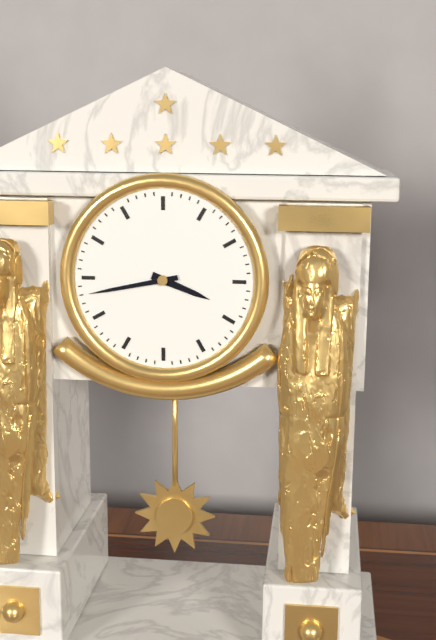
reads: 3,43
